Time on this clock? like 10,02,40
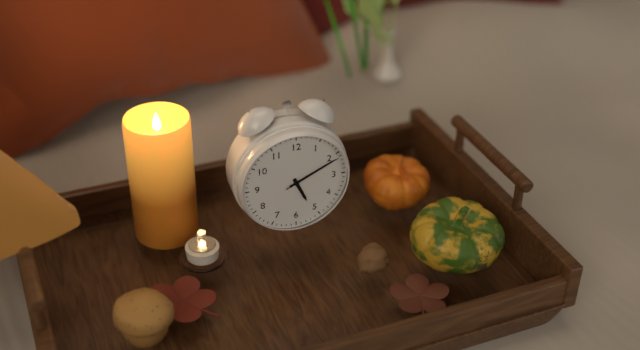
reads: 5,11,11
